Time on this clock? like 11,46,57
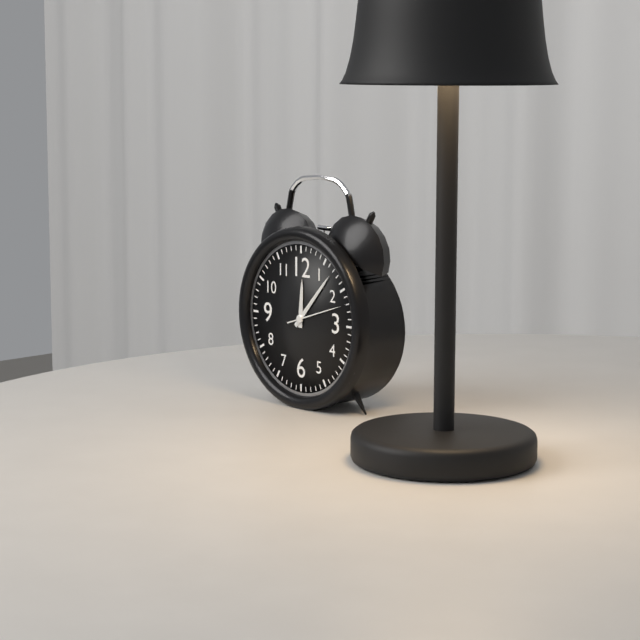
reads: 12,07,12
